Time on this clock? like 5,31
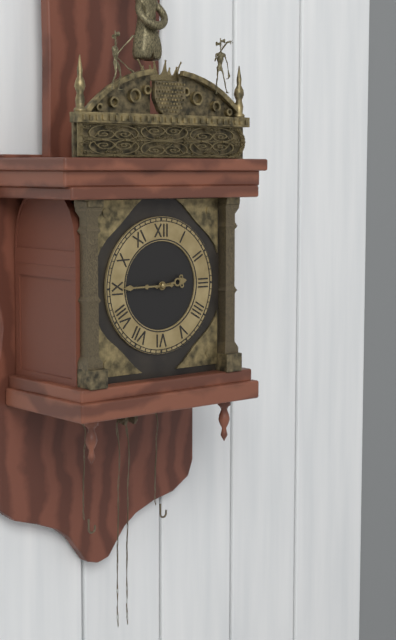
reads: 2,45
